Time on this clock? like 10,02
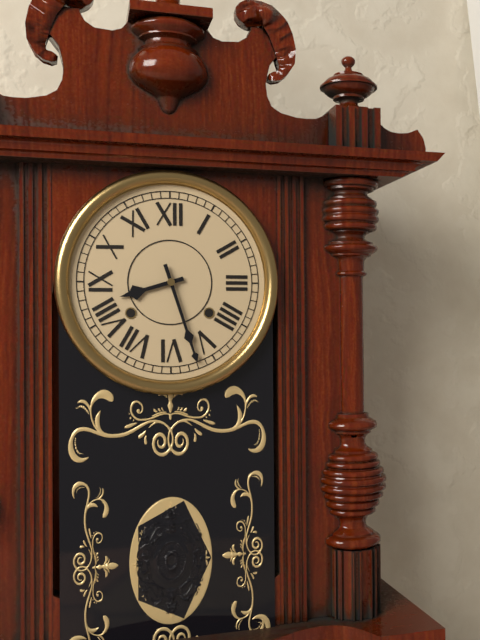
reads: 8,27
